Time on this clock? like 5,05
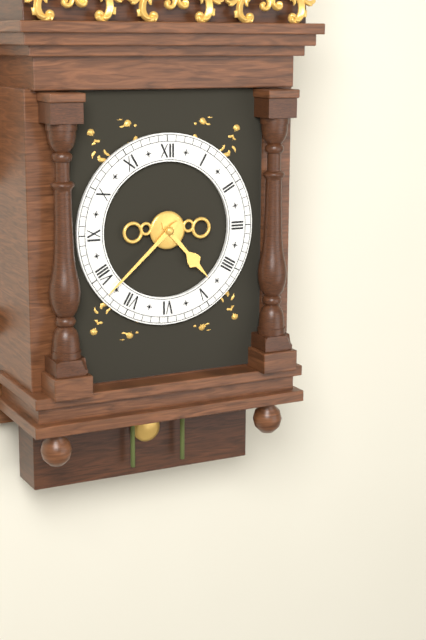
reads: 4,38
